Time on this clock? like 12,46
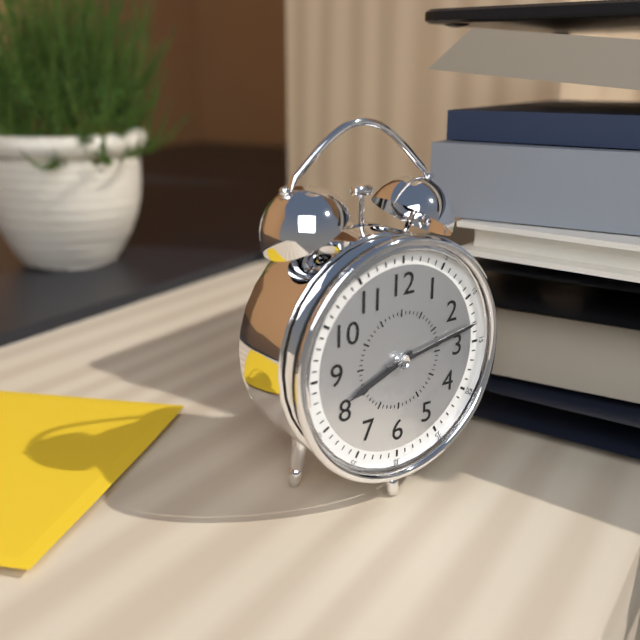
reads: 8,13
